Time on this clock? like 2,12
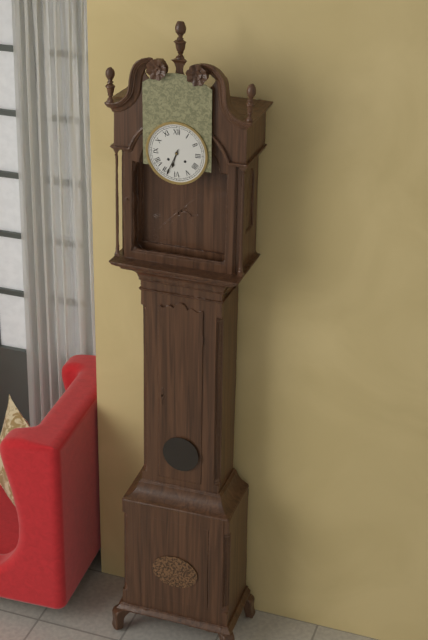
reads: 6,34
